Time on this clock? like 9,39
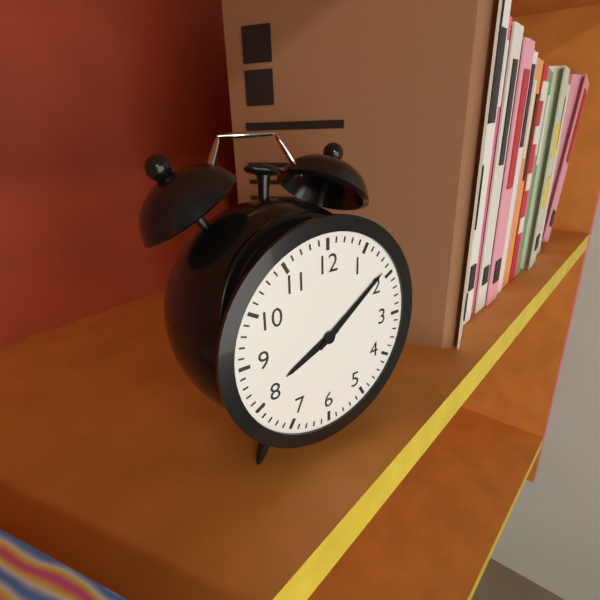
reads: 8,09
